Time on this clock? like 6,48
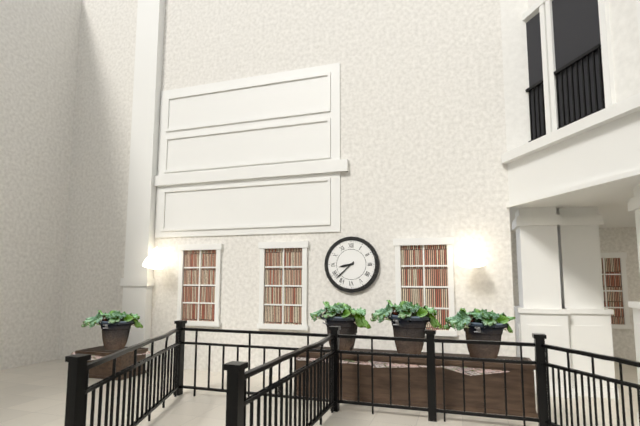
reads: 8,38
